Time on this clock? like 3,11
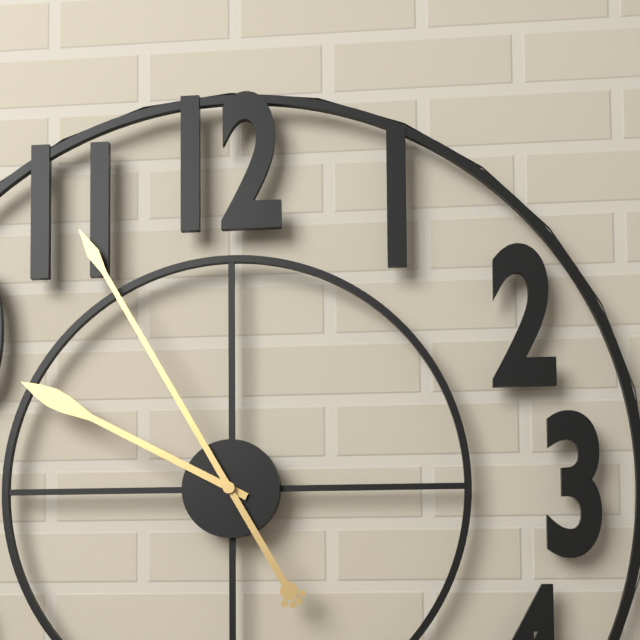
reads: 9,55
